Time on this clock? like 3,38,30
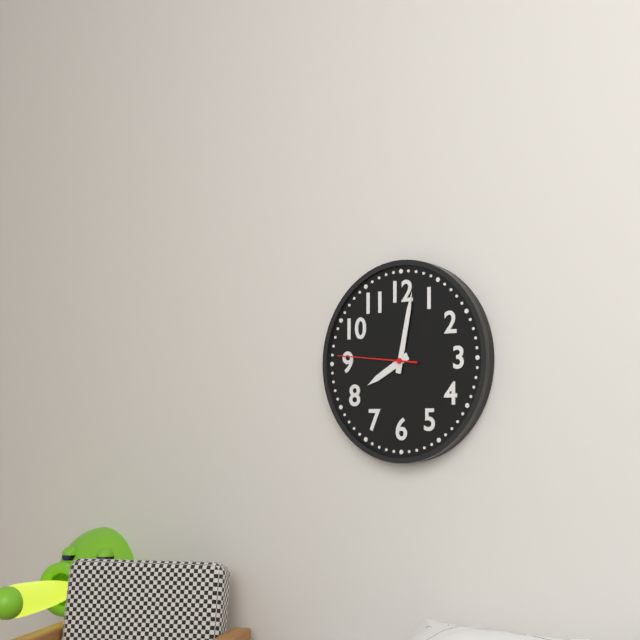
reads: 8,02,46
